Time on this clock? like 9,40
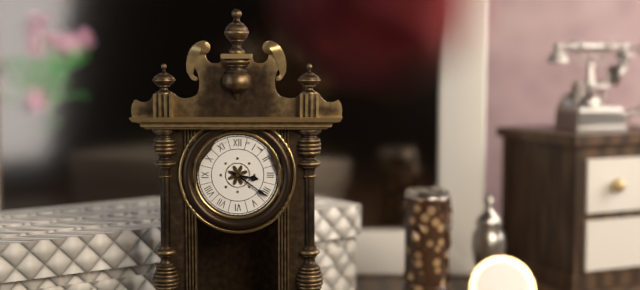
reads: 3,21
